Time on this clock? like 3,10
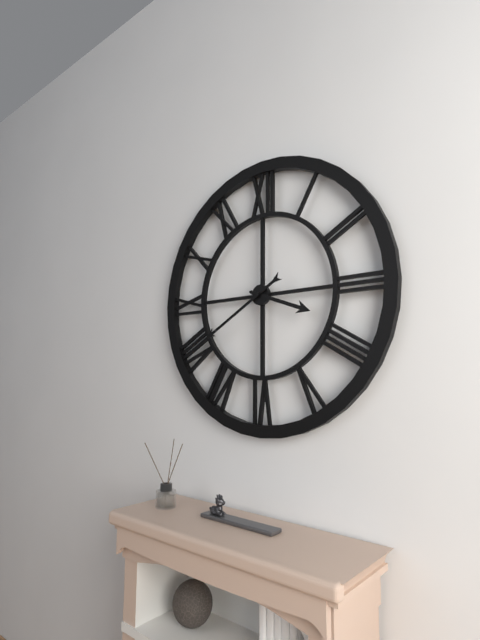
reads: 3,40
